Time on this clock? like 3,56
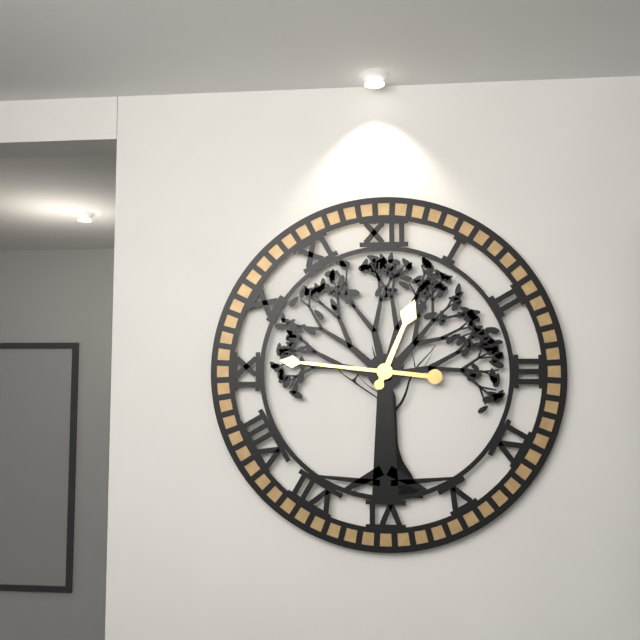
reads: 12,46
